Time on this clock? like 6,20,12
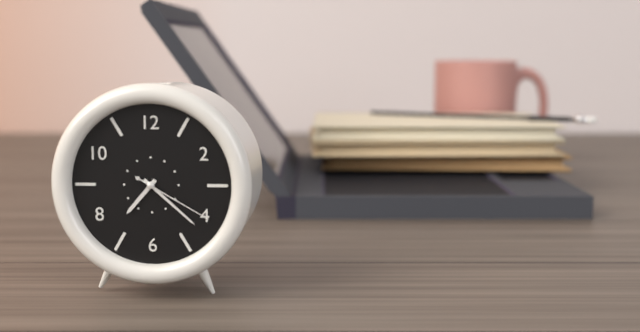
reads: 7,22,20
